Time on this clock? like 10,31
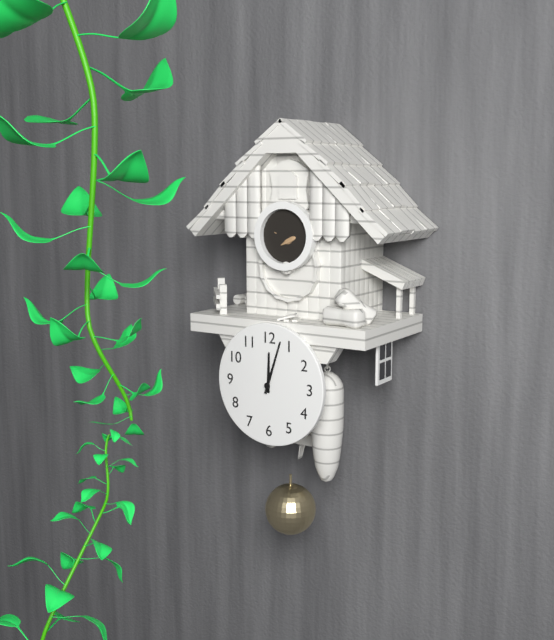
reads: 12,03
